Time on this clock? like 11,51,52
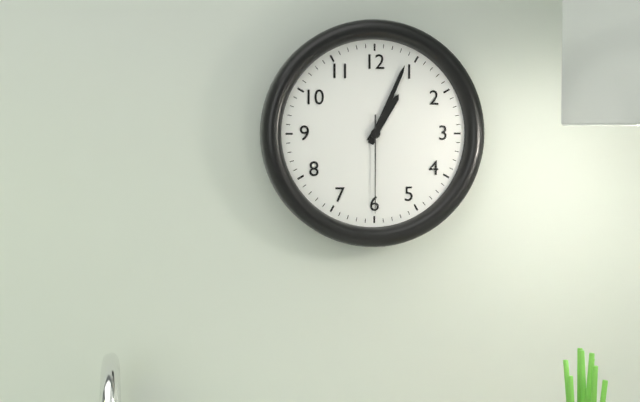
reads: 1,04,30
